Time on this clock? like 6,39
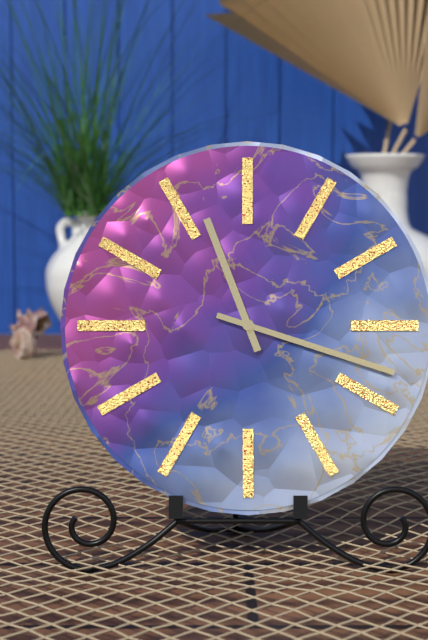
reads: 11,18
